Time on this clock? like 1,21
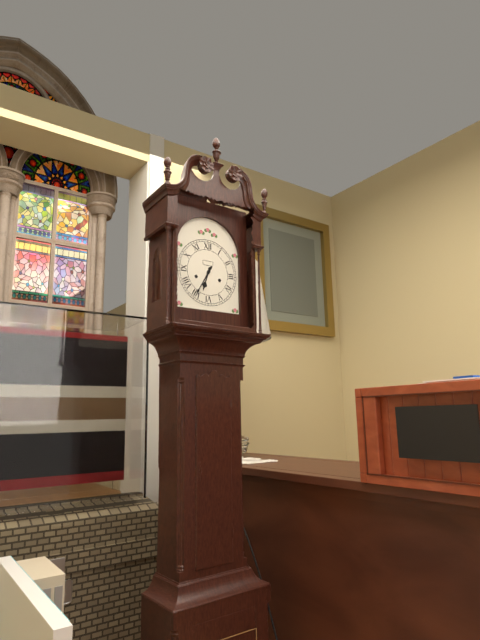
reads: 6,35
